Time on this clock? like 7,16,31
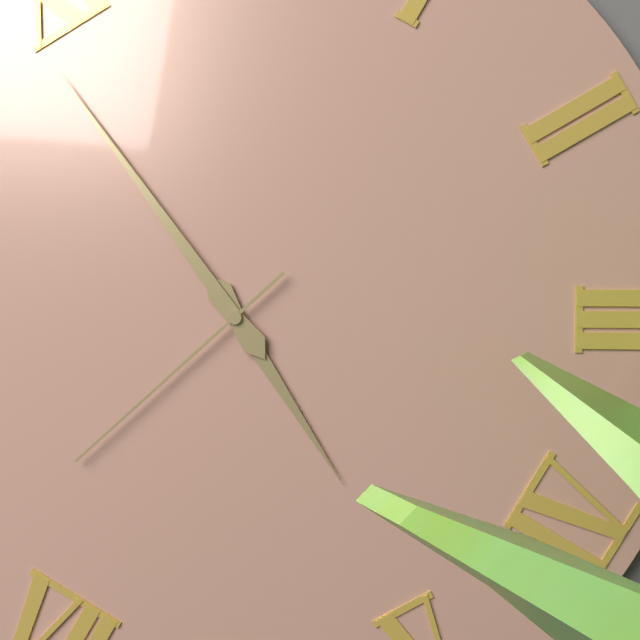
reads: 4,54,38
